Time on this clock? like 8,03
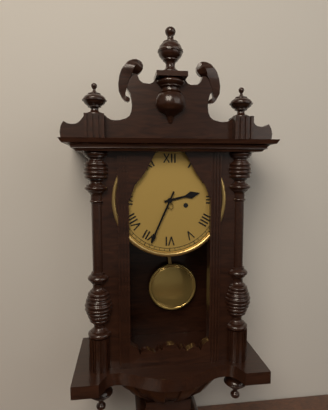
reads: 2,34
